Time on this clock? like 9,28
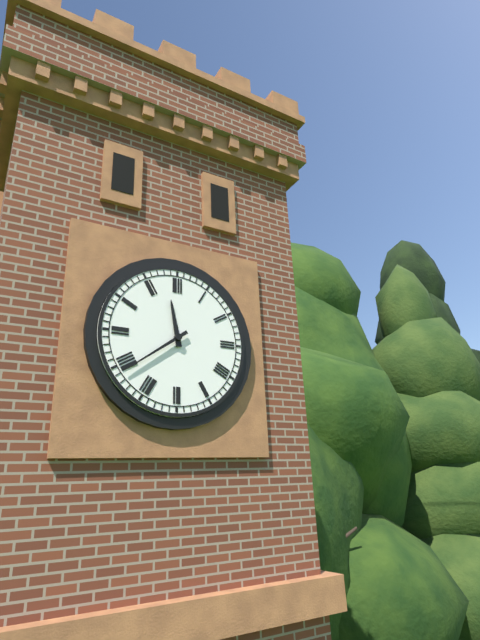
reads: 11,39
